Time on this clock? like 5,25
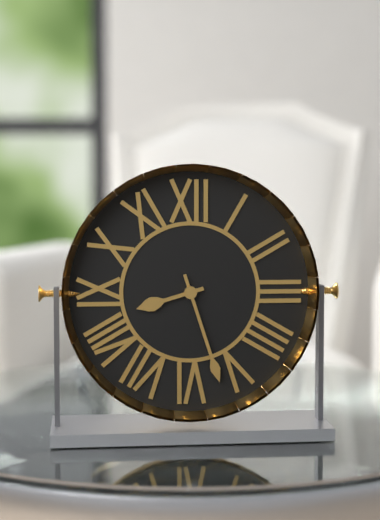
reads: 8,27
